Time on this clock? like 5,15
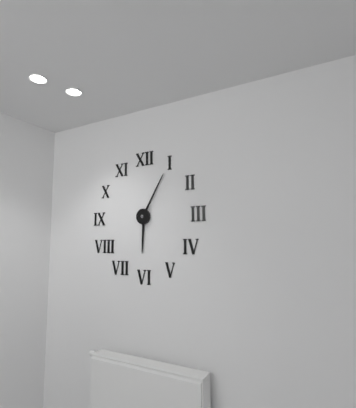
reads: 6,05
